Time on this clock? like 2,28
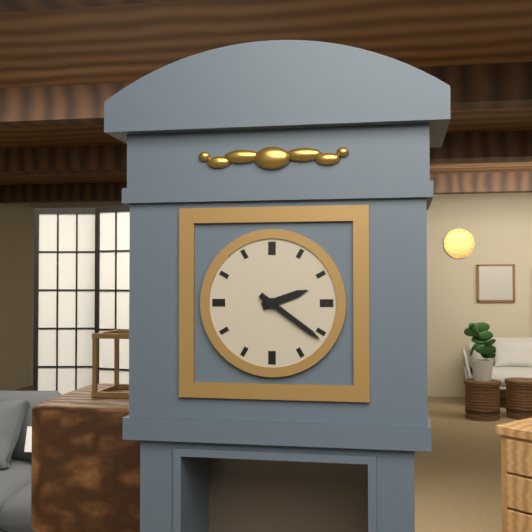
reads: 2,21
